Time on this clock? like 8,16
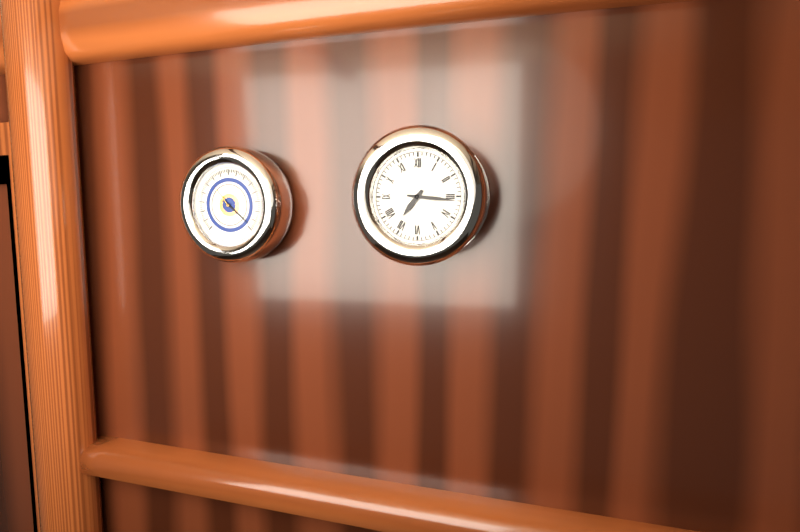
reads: 7,16
